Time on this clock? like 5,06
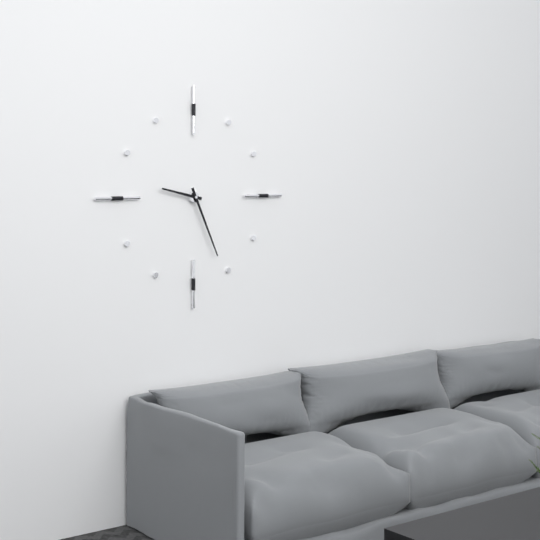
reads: 9,26
